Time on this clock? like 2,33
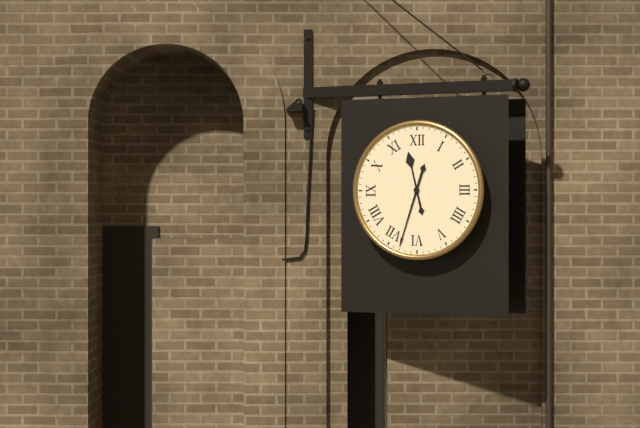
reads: 11,33
